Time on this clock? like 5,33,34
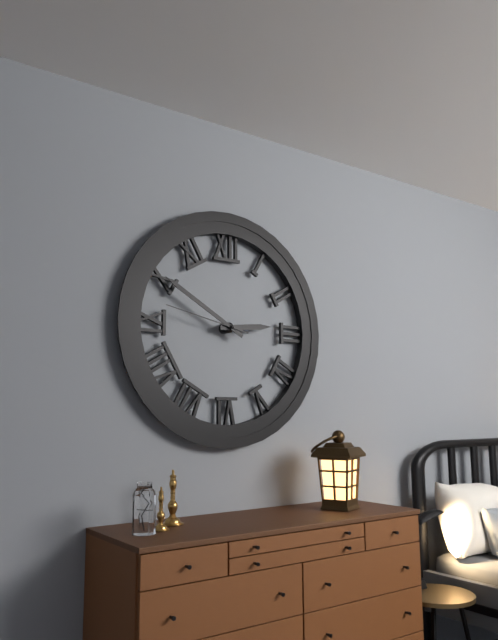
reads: 2,50,47
